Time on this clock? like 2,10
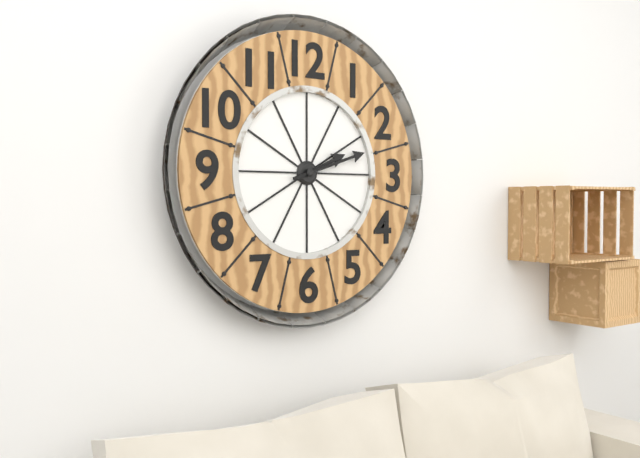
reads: 2,12
